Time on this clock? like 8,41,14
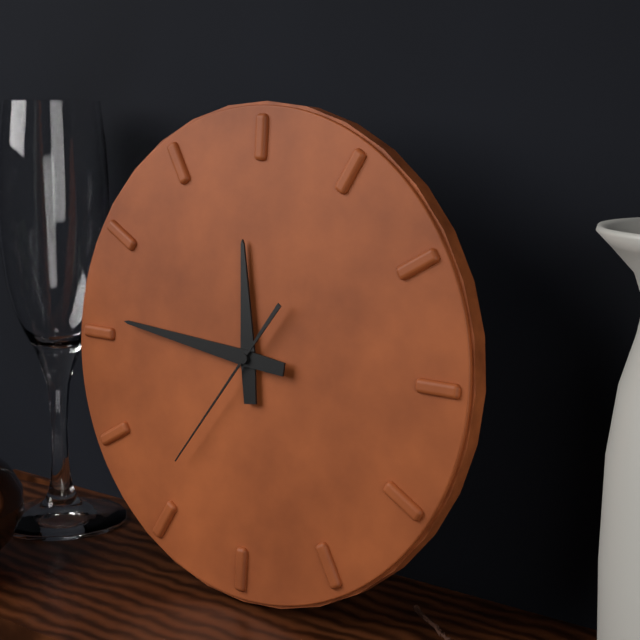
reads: 11,46,36
